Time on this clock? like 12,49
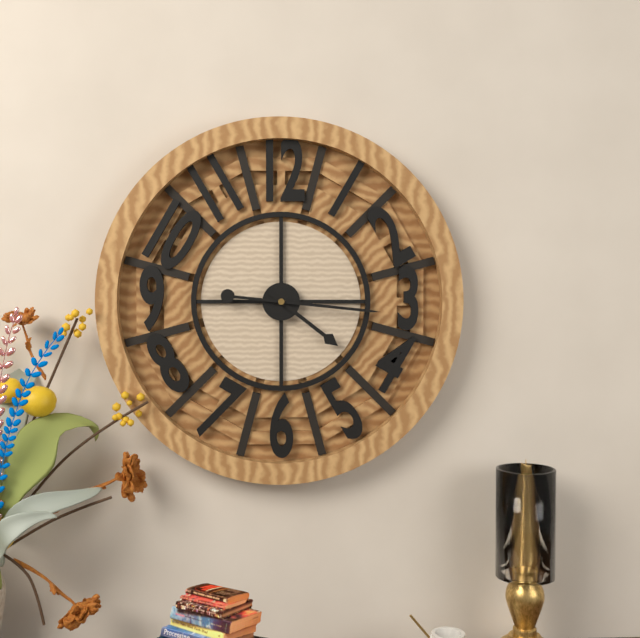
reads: 4,16
